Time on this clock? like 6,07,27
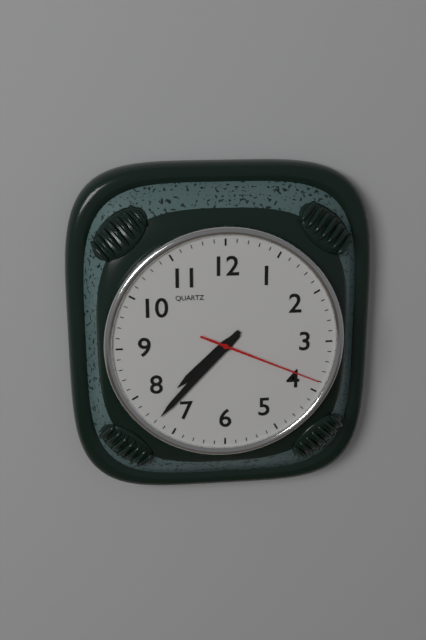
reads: 7,37,19
